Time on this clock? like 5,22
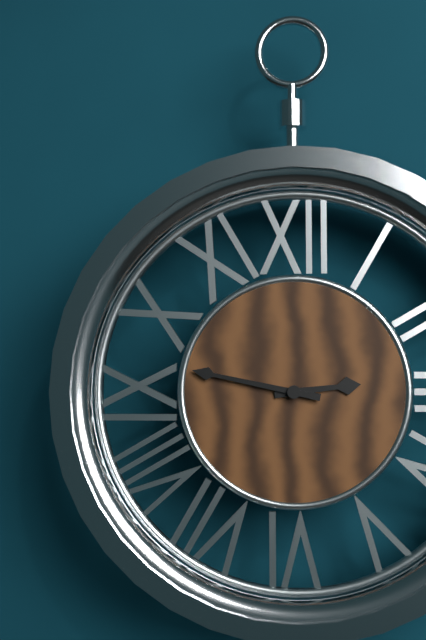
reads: 2,47
